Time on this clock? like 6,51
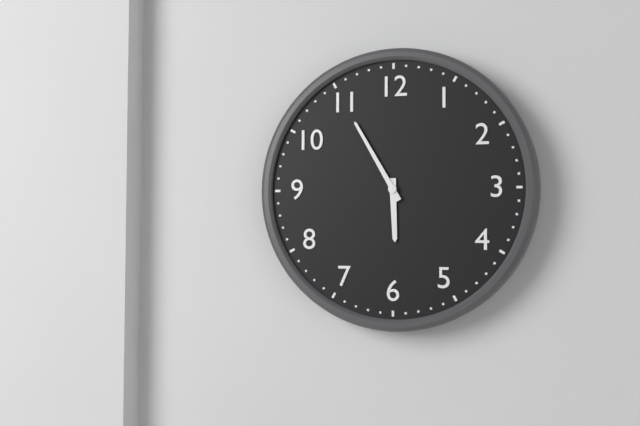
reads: 5,55
